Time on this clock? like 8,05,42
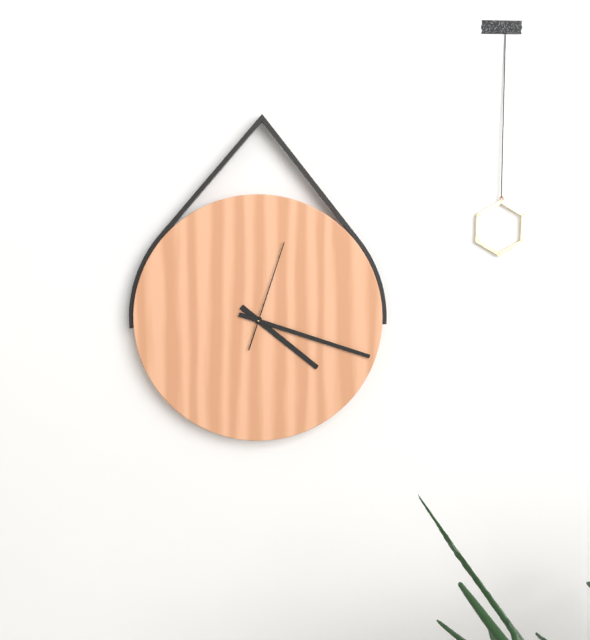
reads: 4,18,03
